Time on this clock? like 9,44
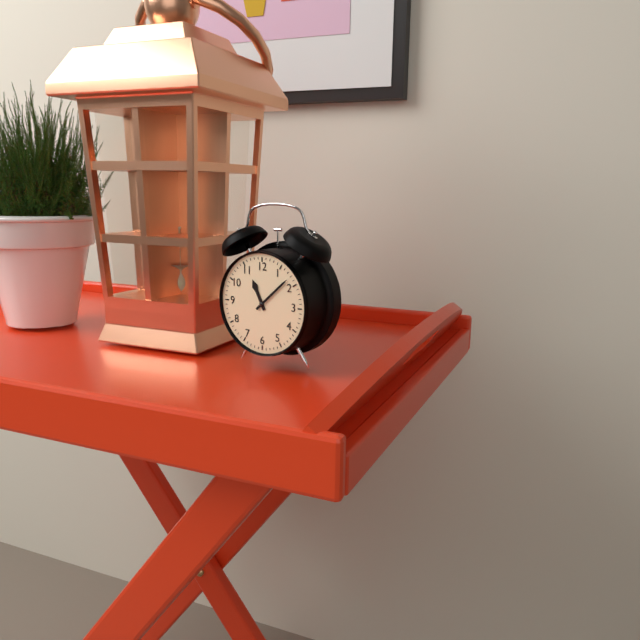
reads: 11,08
